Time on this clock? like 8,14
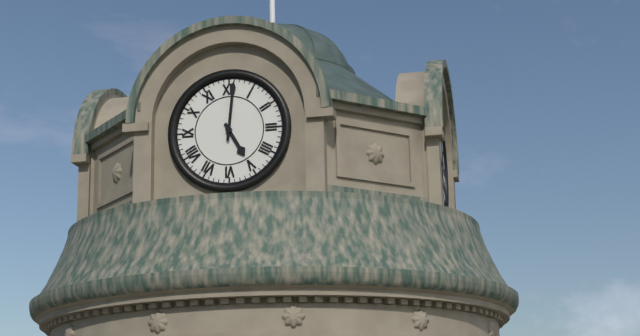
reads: 5,01
